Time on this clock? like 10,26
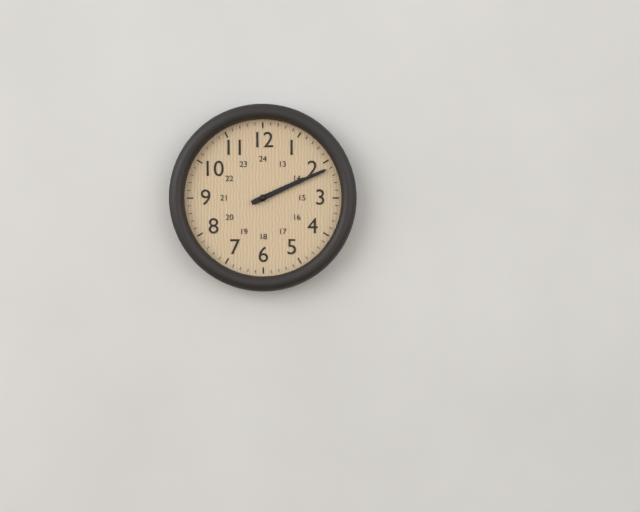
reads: 2,11
